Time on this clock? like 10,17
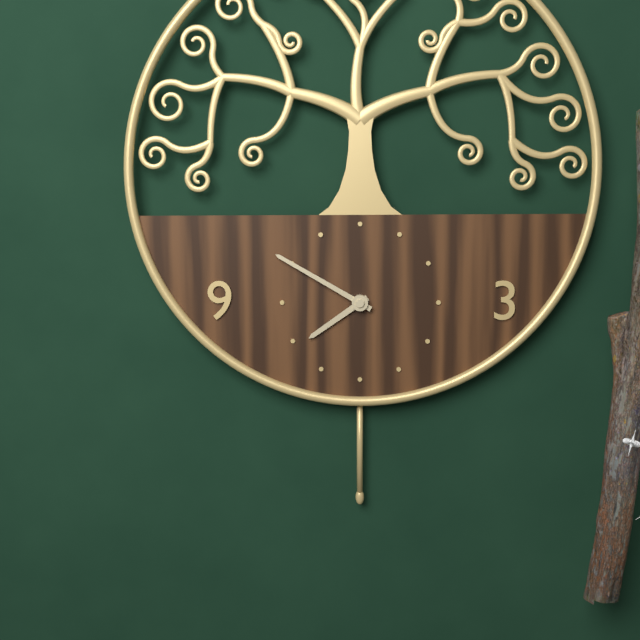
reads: 7,50
